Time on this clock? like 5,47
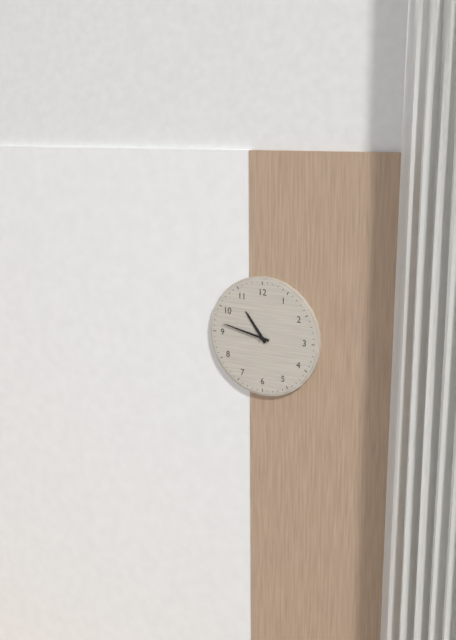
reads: 10,47
